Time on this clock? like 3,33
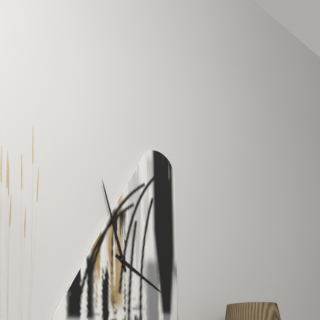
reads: 3,57
